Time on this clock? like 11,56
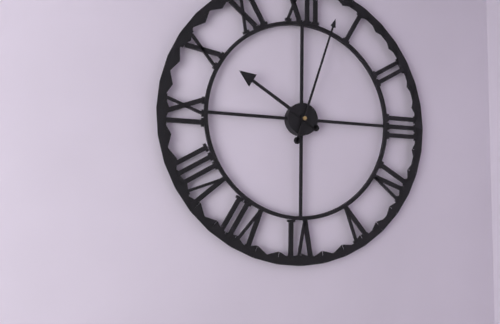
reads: 10,03
